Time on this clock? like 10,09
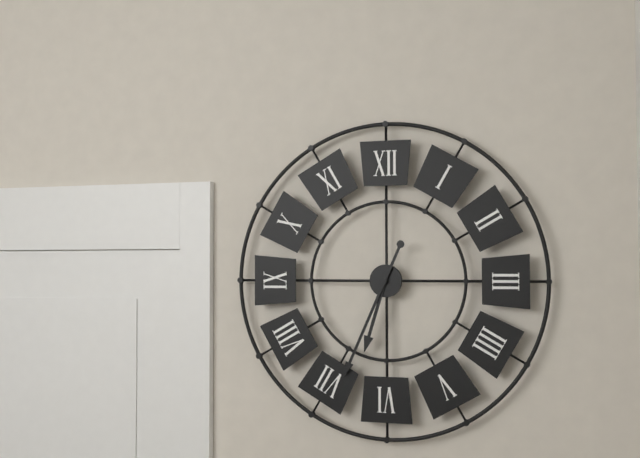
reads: 6,34
